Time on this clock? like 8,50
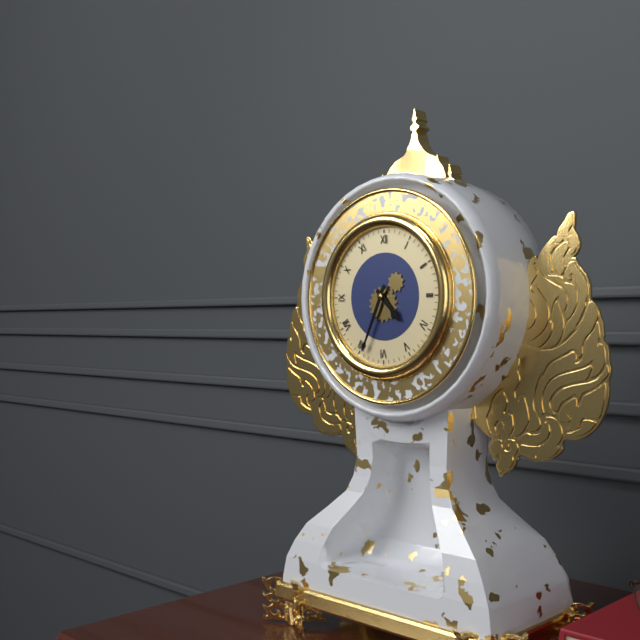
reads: 4,34
